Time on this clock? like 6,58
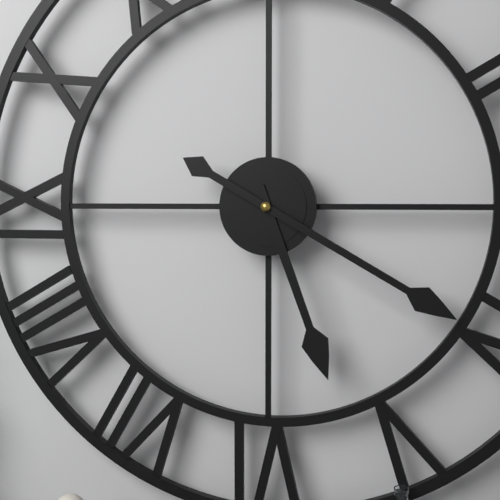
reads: 5,20
